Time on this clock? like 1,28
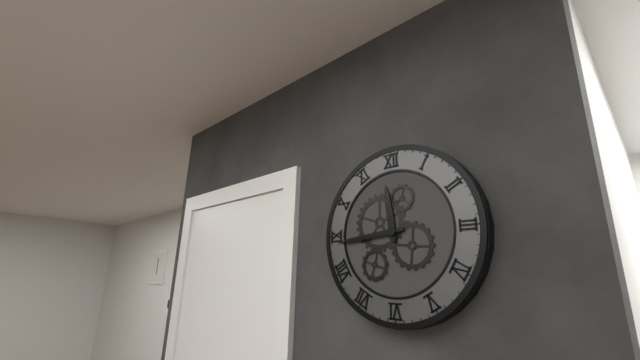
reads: 11,44
